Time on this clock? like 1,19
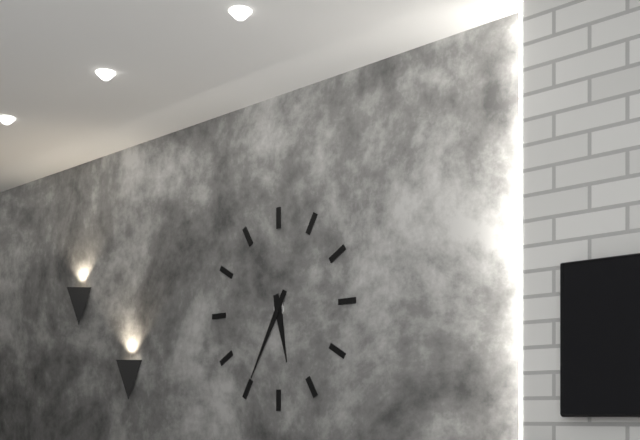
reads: 5,35
